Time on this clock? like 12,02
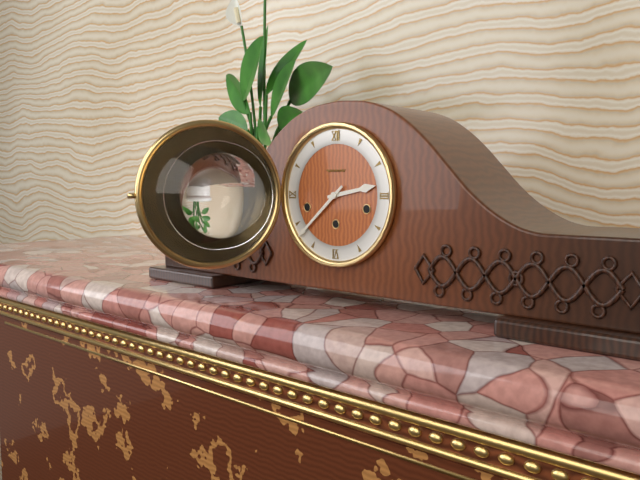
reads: 2,38
